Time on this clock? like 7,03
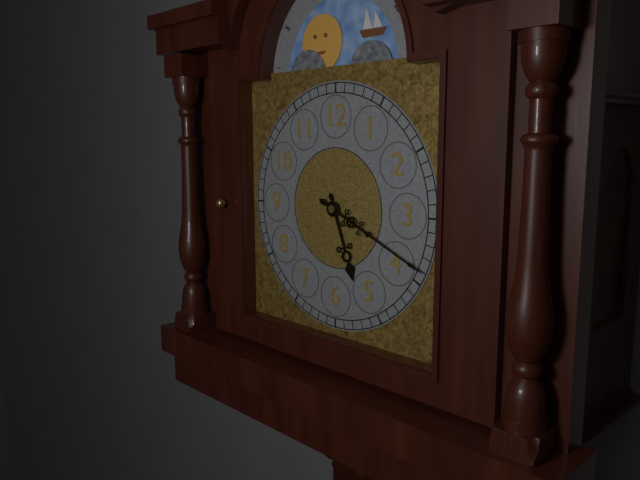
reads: 5,19
